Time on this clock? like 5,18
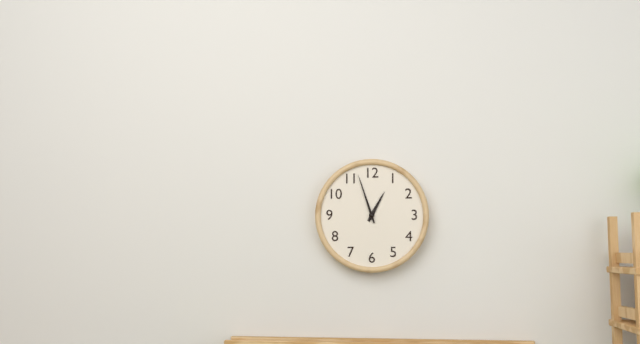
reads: 12,57
